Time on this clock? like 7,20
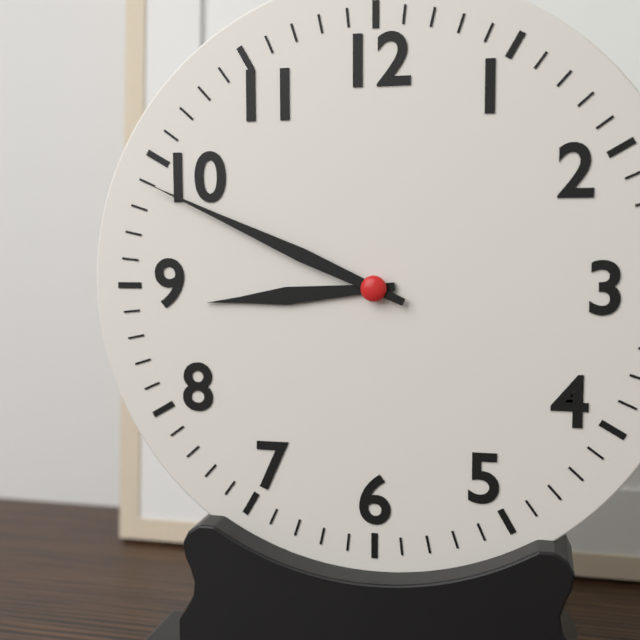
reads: 8,49
